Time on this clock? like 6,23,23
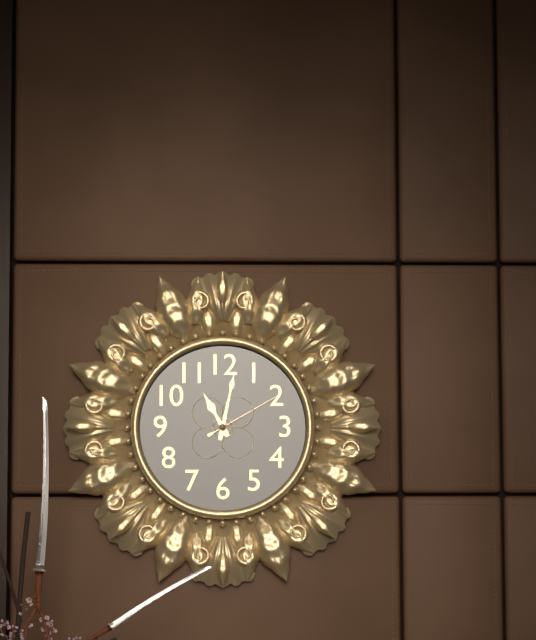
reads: 11,02,10
